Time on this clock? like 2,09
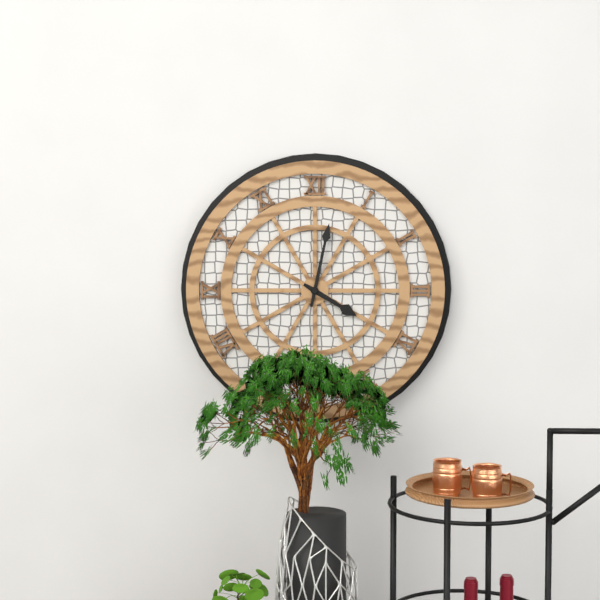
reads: 4,02
